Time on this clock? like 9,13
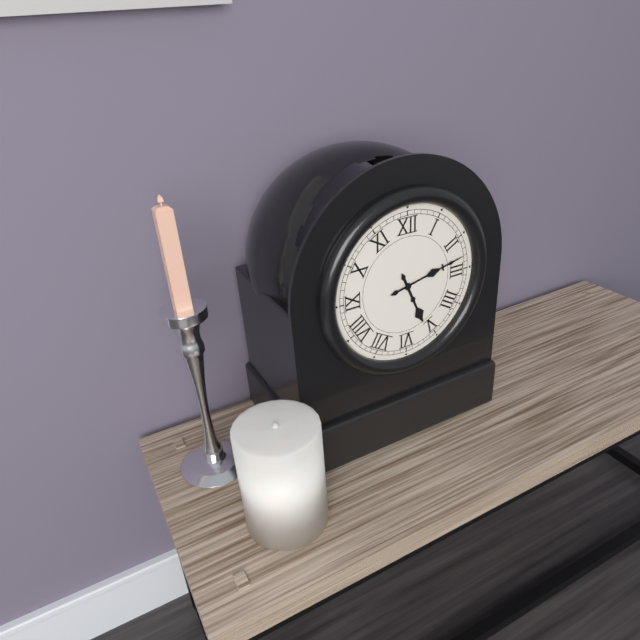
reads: 5,13
